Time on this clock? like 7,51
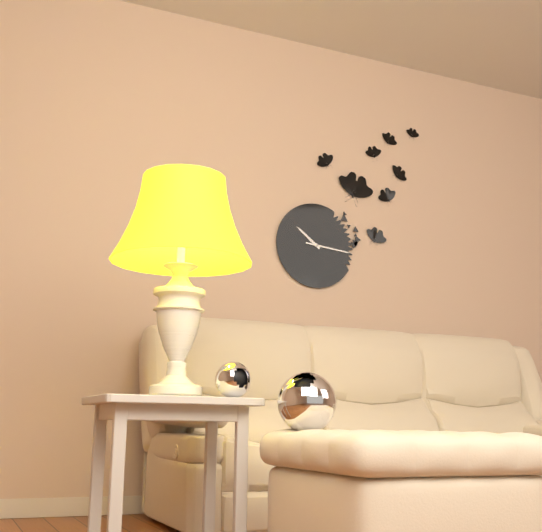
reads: 10,16
